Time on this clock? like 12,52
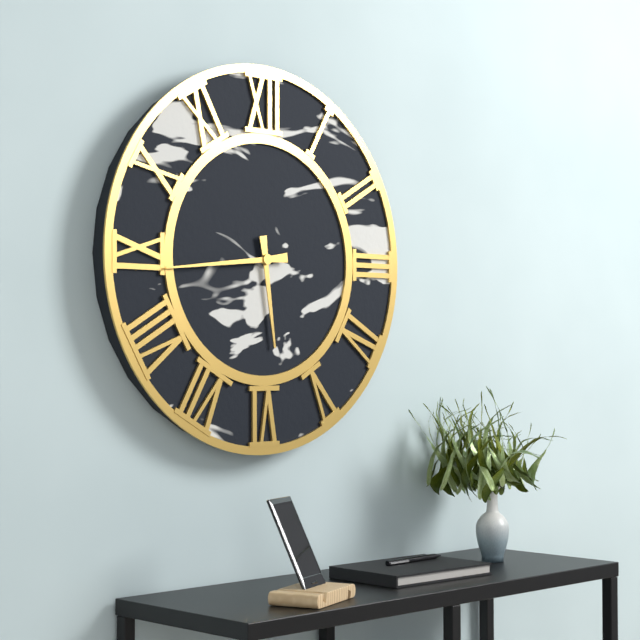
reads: 5,44
